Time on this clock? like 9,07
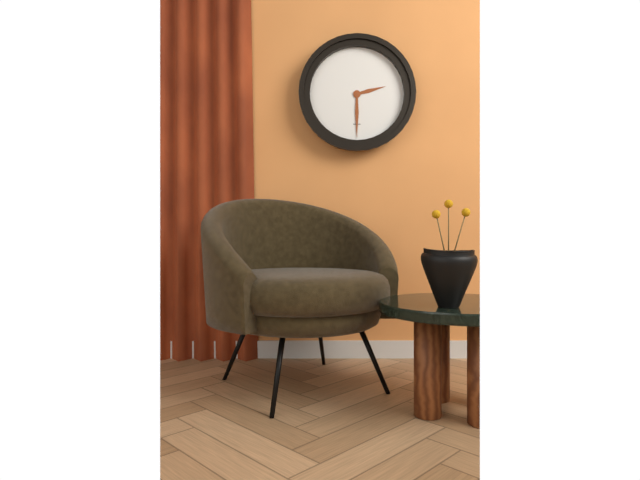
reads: 2,30
